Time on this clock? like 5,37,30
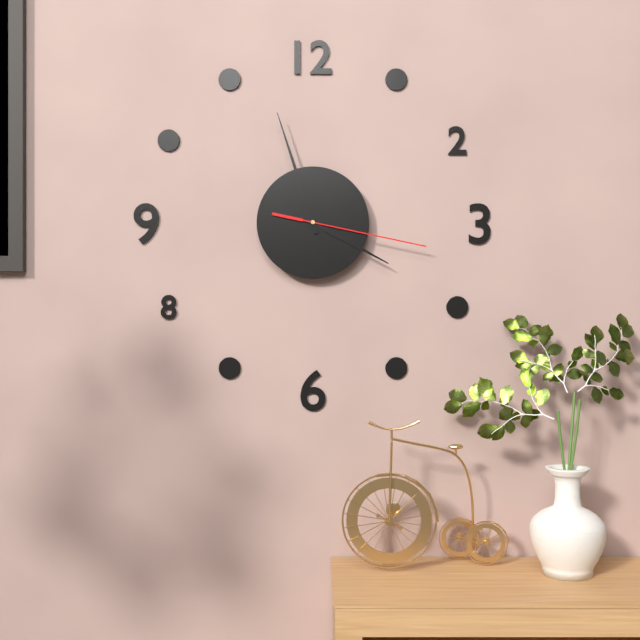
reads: 3,57,17
